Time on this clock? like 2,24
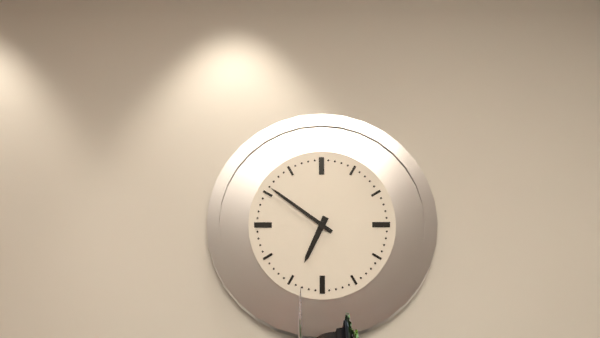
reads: 6,51
